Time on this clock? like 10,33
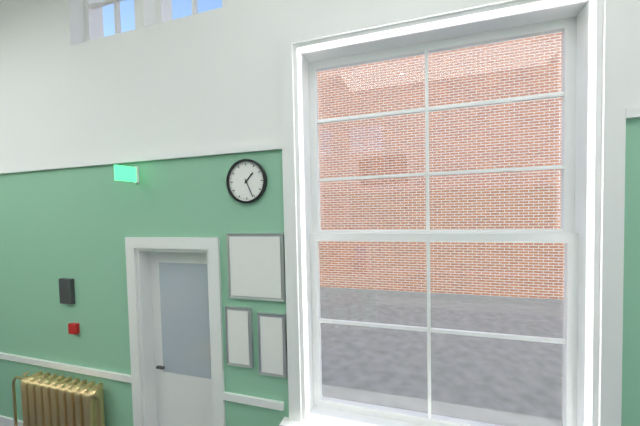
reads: 1,26
